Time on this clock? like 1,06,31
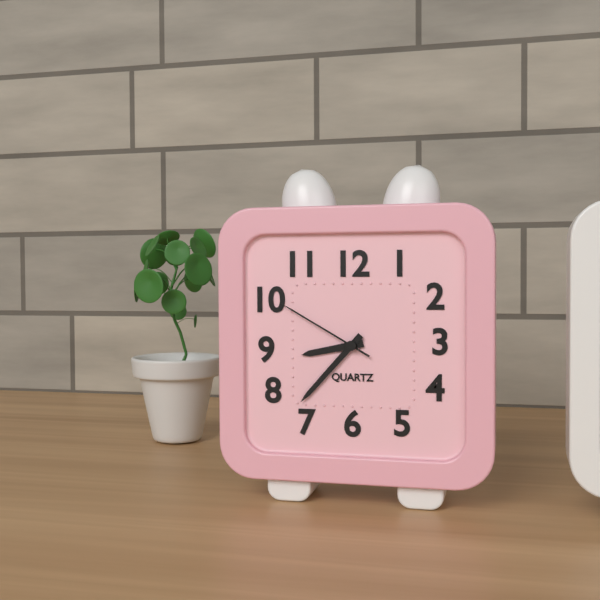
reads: 8,37,50
